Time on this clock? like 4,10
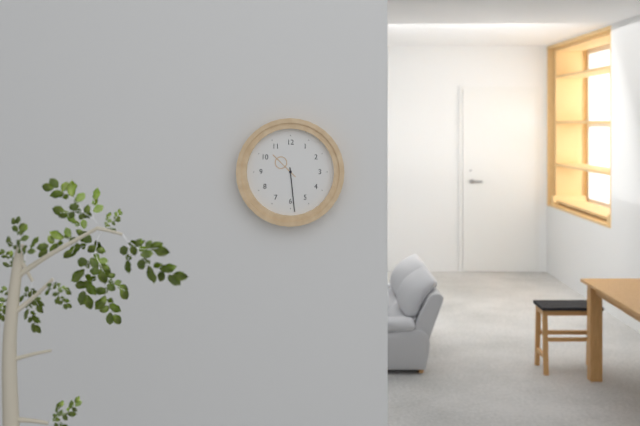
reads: 10,29
